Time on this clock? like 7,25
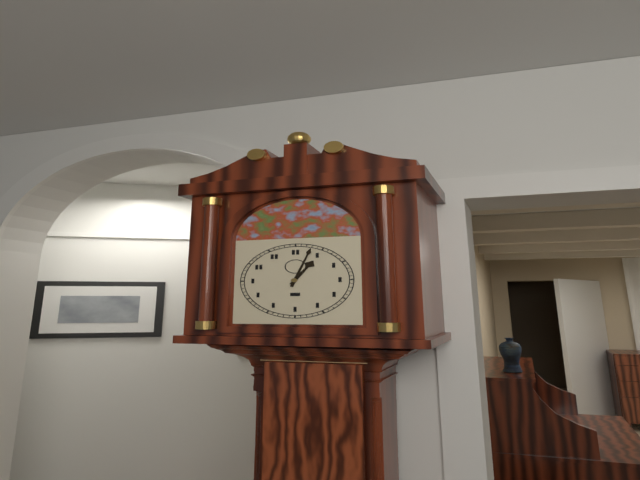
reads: 1,03
